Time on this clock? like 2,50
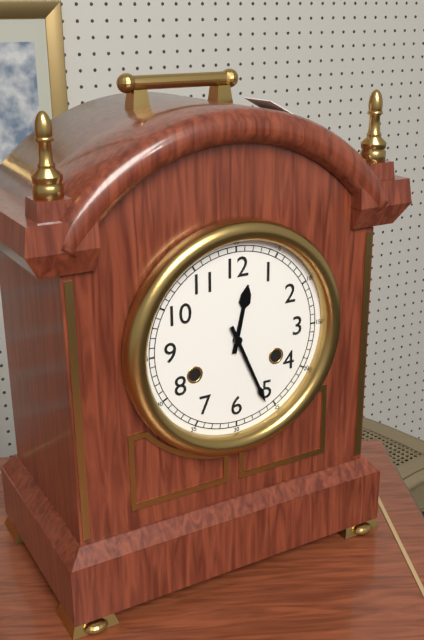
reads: 12,26
